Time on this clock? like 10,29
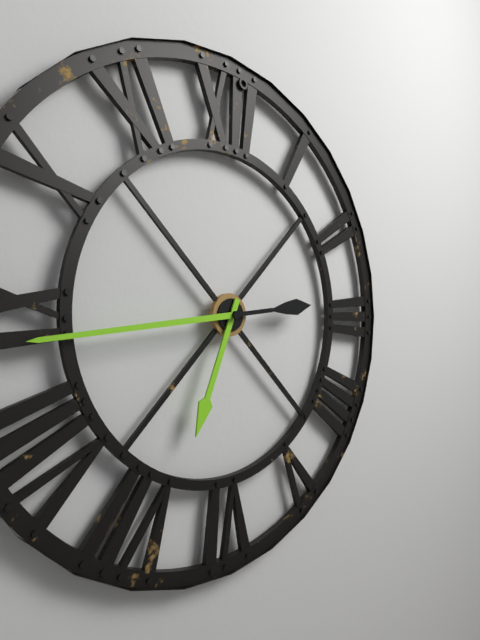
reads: 6,44
